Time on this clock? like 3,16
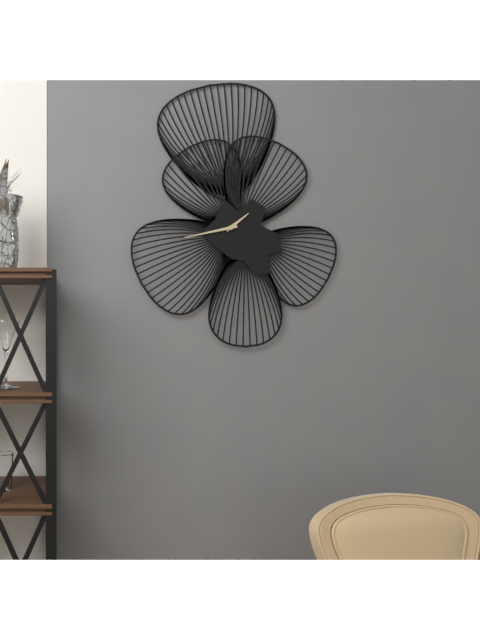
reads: 1,43
